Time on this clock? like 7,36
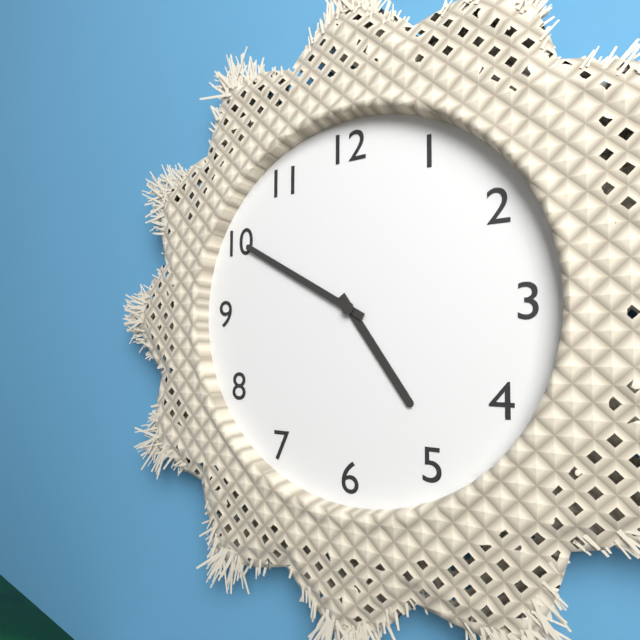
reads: 4,50
